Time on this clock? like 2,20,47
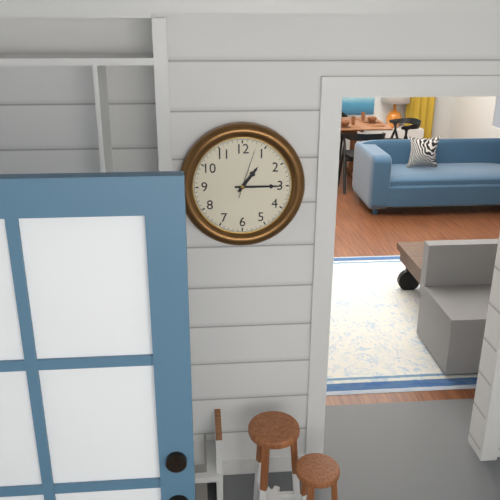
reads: 1,15,03
